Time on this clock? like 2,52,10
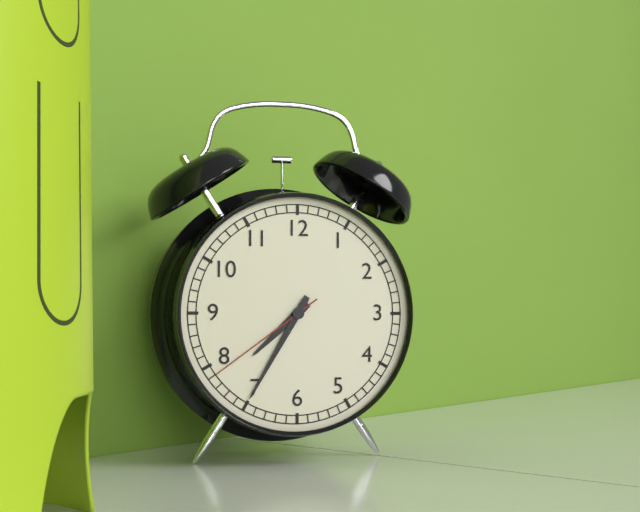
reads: 7,35,39
